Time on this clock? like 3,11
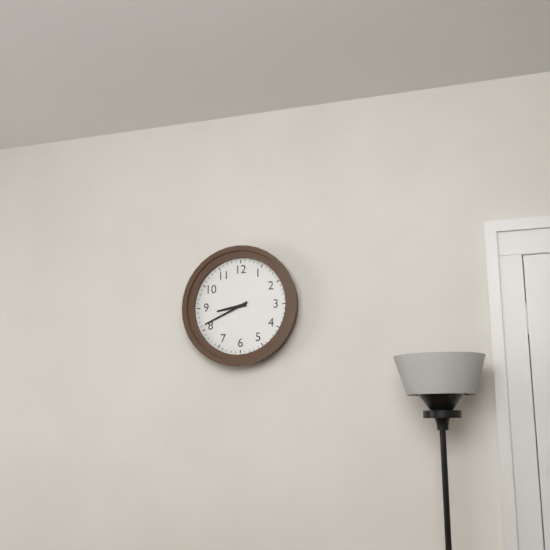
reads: 8,41
